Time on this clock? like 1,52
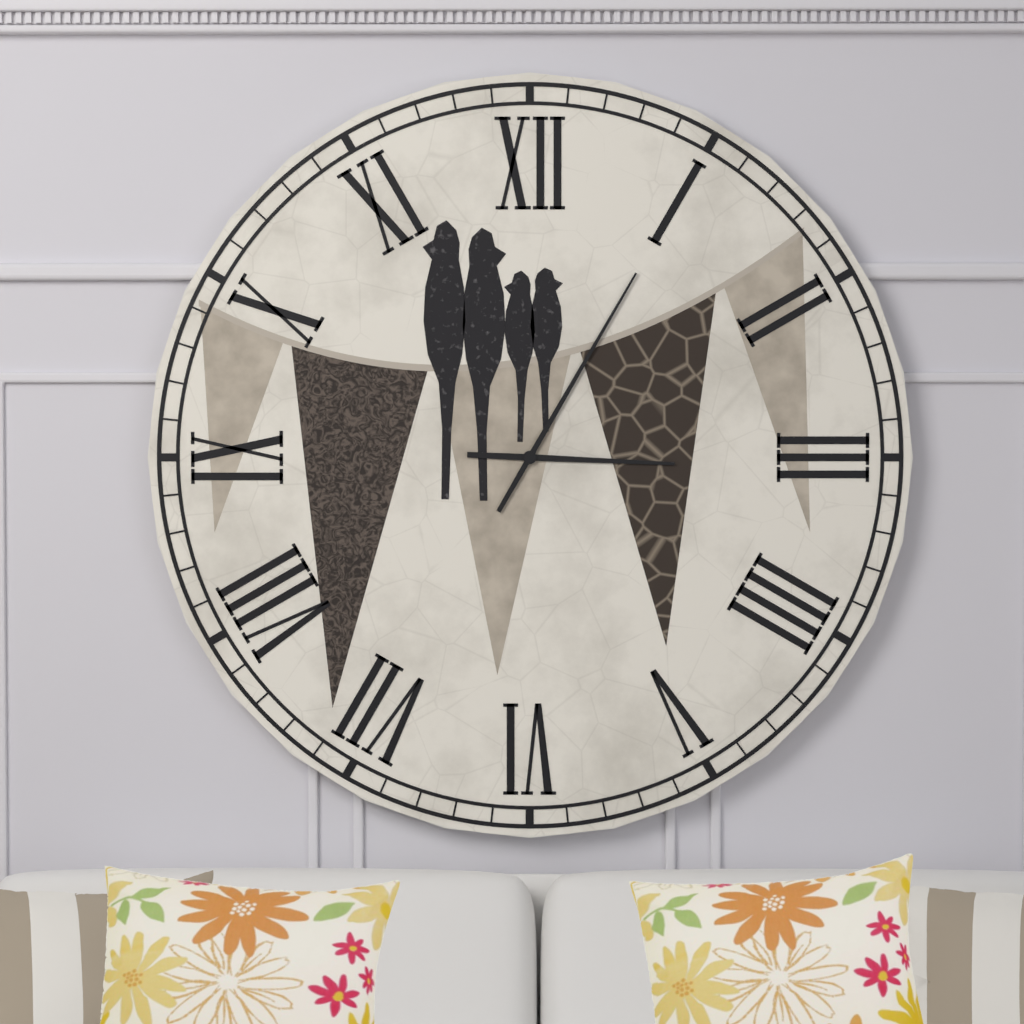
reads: 3,05
